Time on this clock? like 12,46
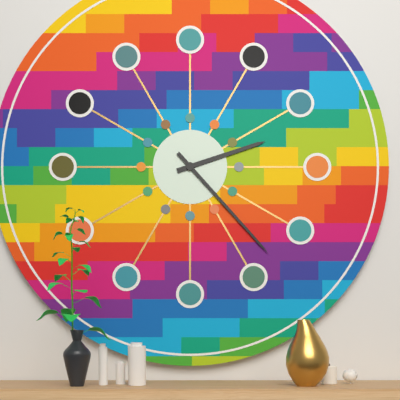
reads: 2,23
